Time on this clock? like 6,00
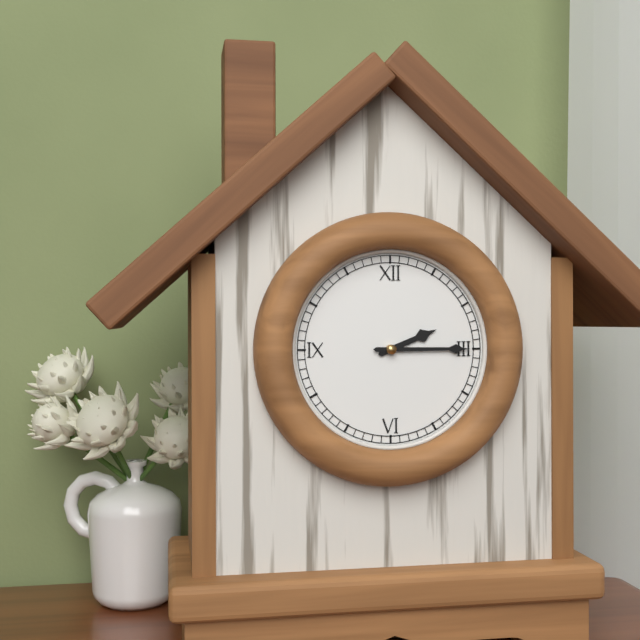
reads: 2,15
